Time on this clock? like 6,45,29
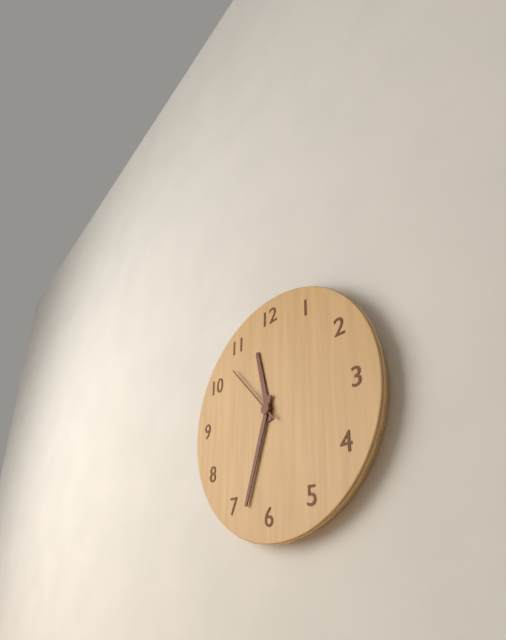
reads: 11,33,53
